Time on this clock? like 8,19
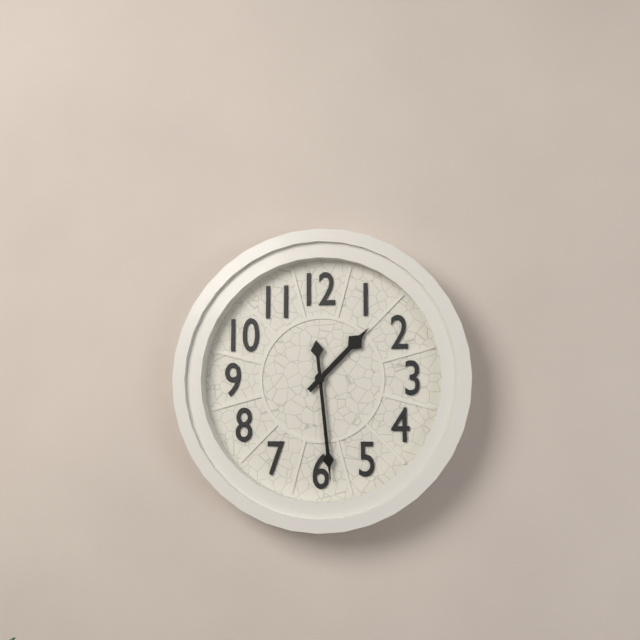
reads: 1,29
